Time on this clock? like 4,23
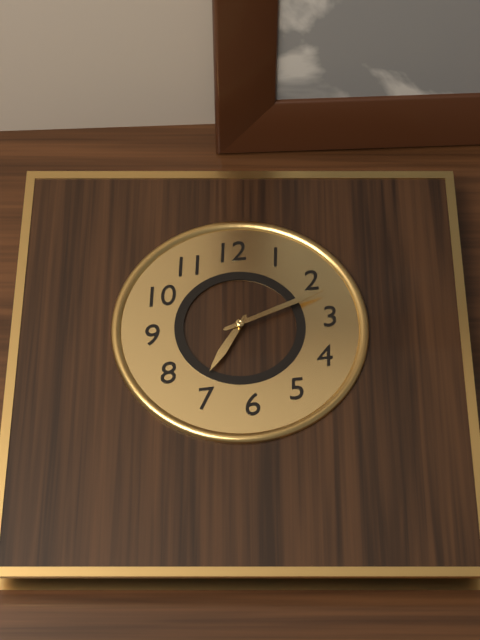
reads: 7,12
